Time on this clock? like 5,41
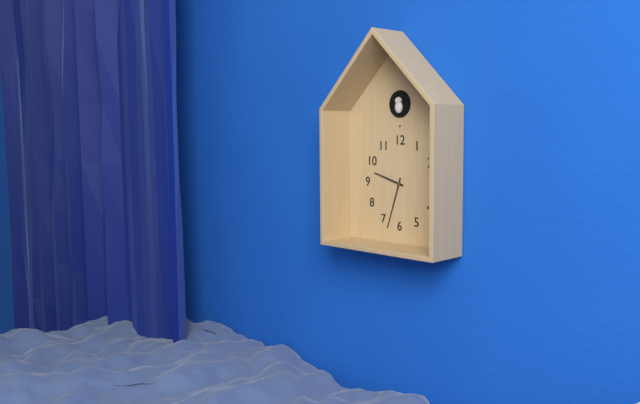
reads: 9,33
